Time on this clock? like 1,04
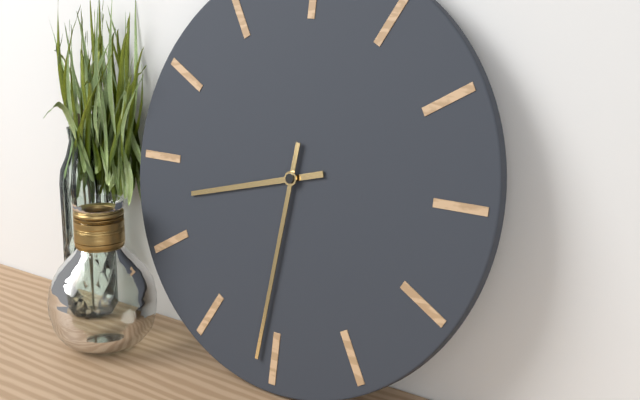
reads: 8,31
